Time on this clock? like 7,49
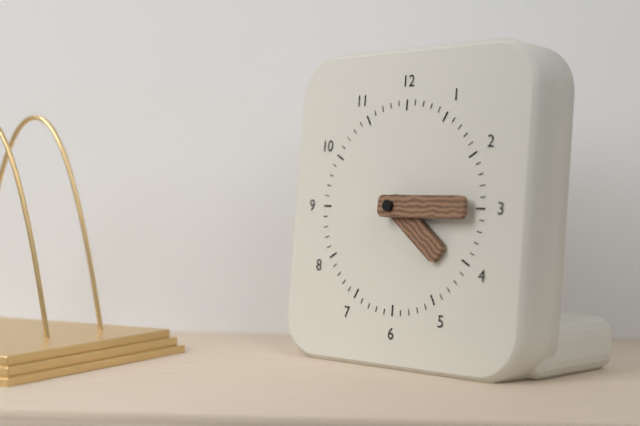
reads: 4,15
